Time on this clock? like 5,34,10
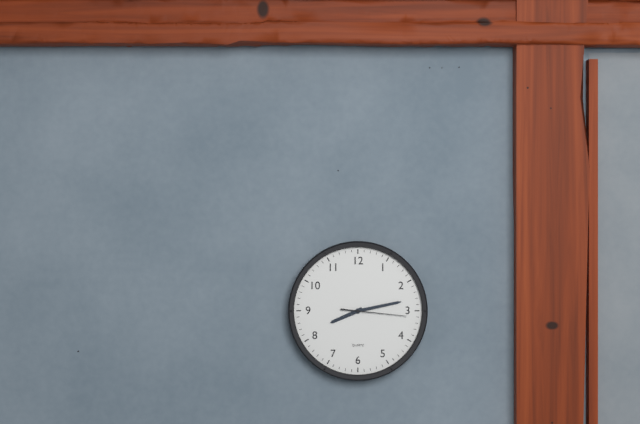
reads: 8,13,16
